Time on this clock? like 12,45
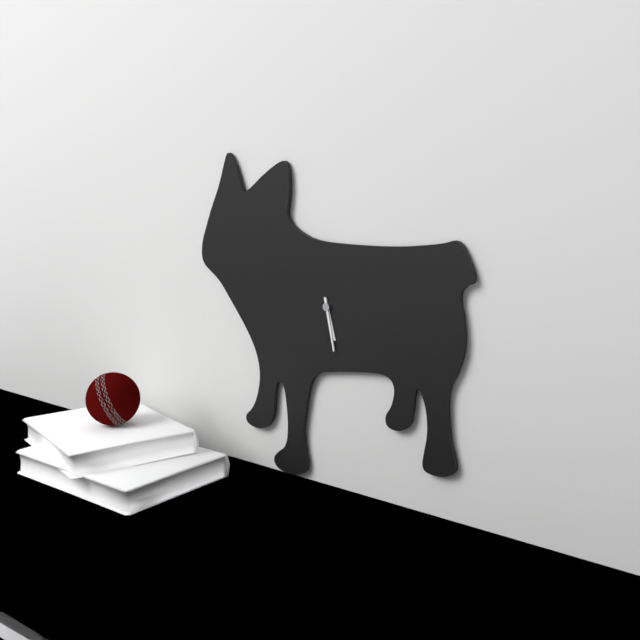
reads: 5,28
